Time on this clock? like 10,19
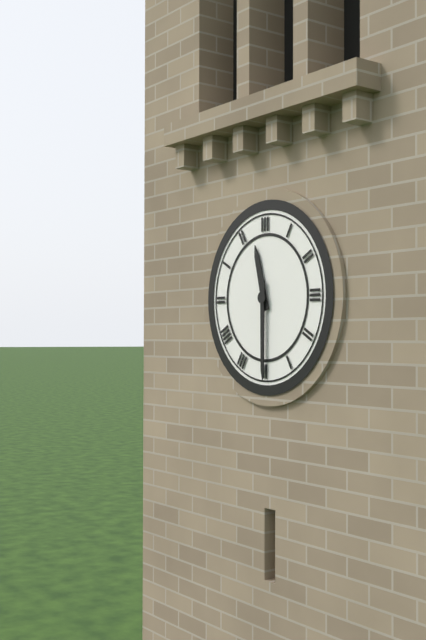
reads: 11,30
